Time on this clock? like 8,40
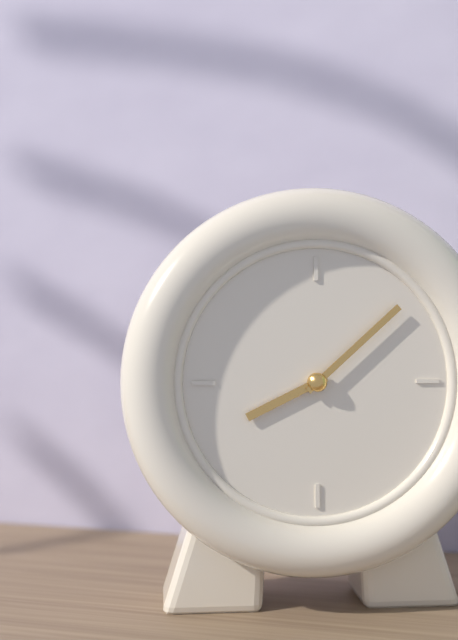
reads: 8,08
